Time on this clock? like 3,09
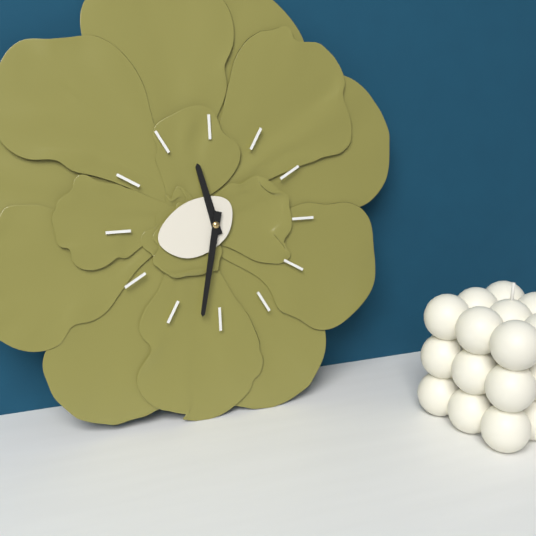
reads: 11,32
